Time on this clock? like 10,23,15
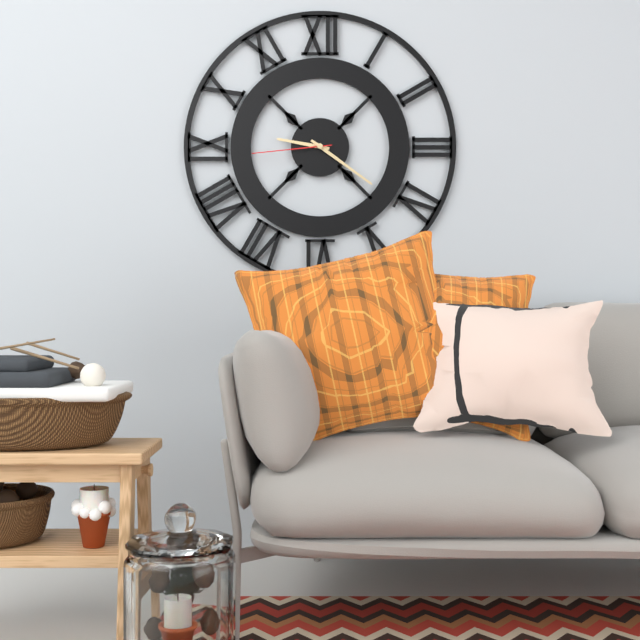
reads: 9,21,44
